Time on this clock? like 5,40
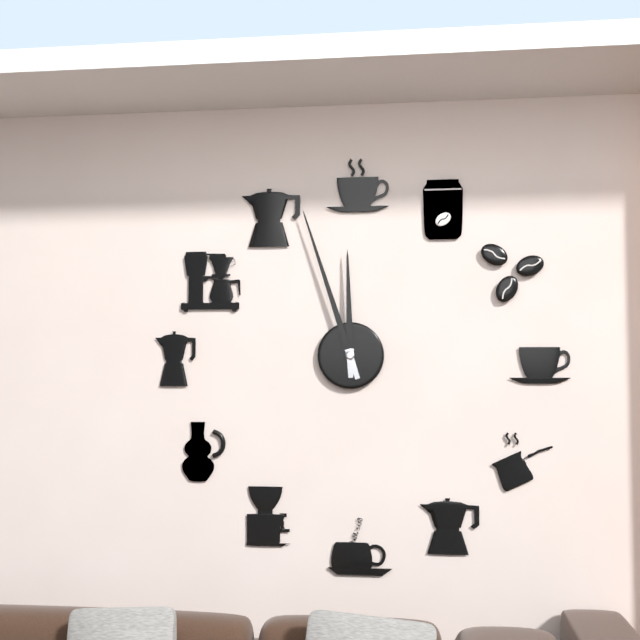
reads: 11,57
